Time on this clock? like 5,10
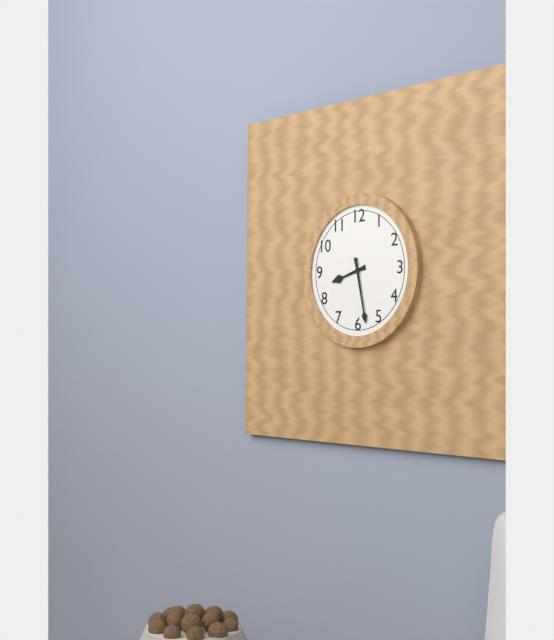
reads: 8,28
